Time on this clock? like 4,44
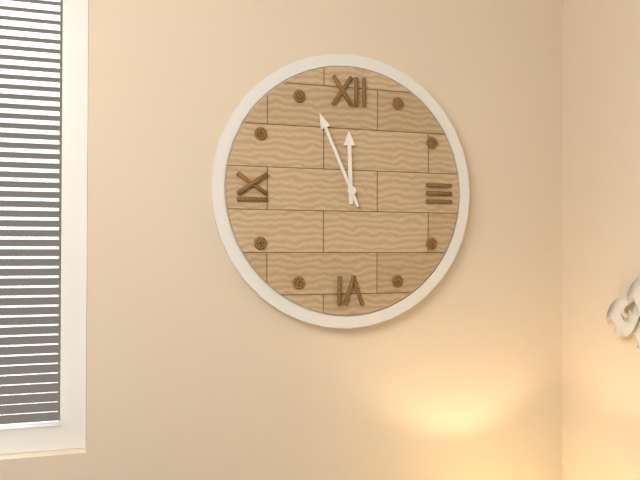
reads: 11,56
